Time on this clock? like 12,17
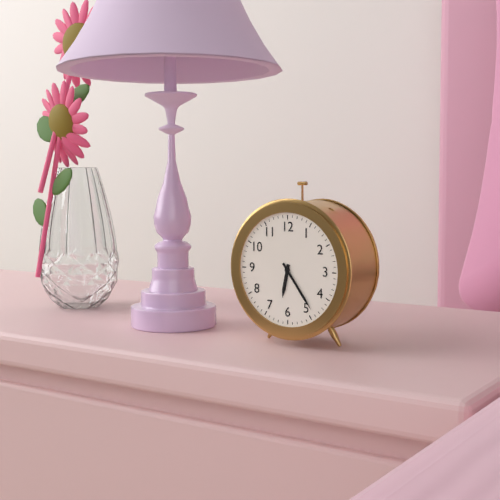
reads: 6,24
